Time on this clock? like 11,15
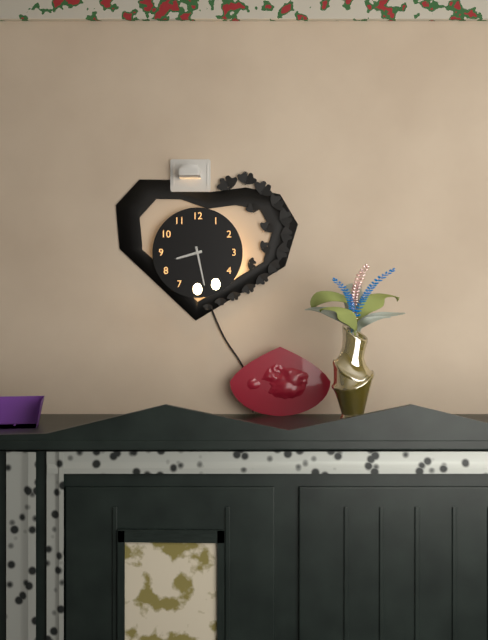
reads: 8,28
